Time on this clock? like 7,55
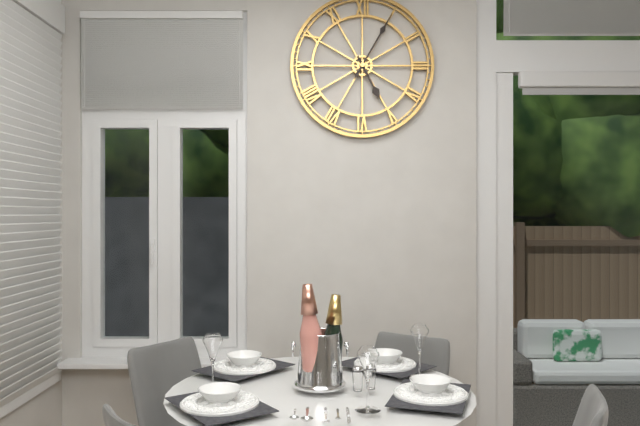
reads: 5,05
